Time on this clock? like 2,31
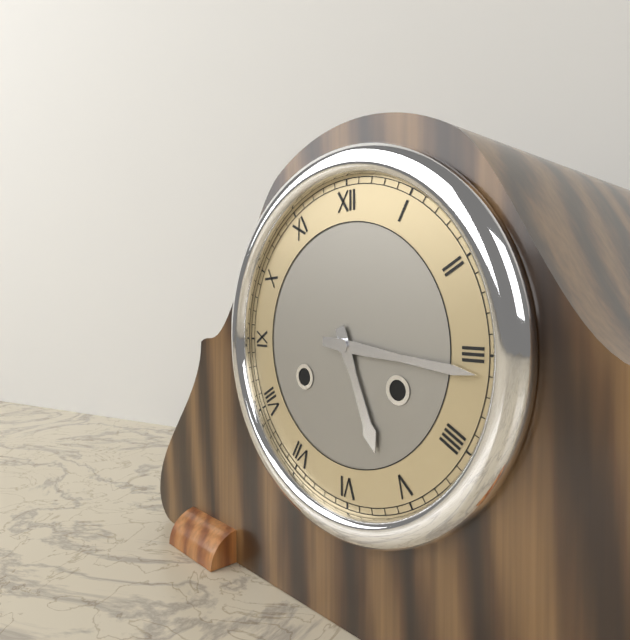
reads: 5,16
